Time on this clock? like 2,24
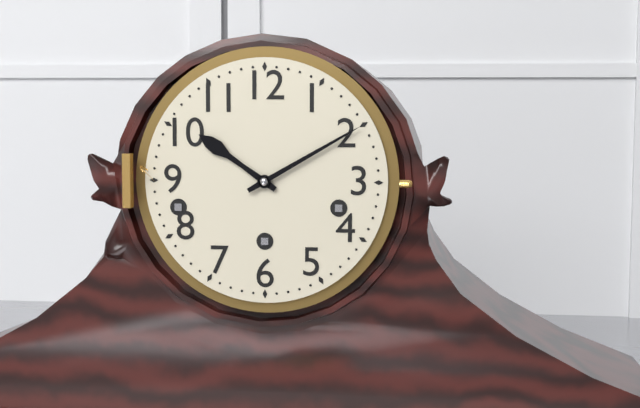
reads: 10,10
